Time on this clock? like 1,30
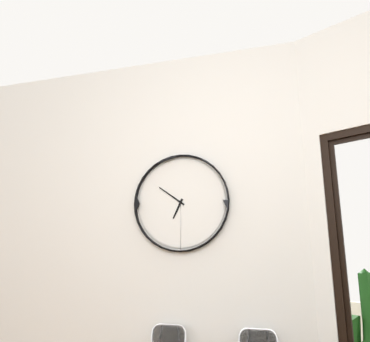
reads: 6,51
